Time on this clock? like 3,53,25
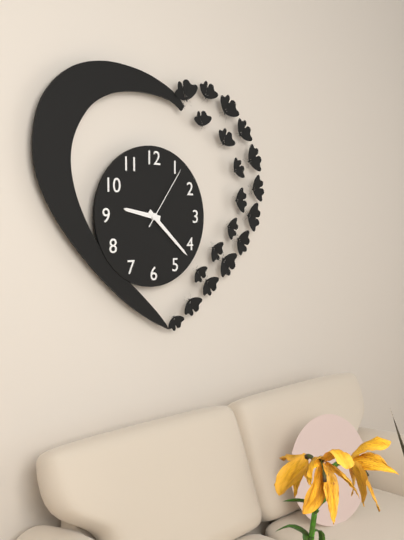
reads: 9,22,06
